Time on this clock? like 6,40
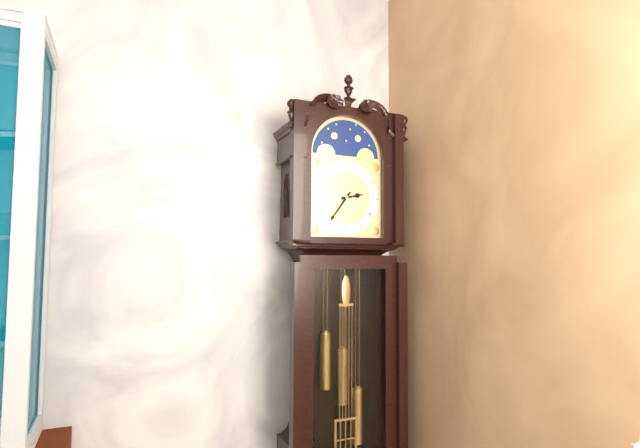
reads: 2,36
